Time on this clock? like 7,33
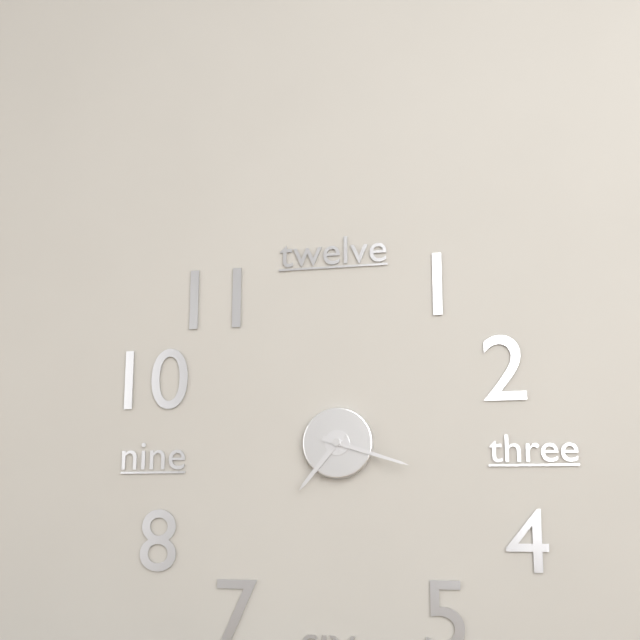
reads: 7,18
